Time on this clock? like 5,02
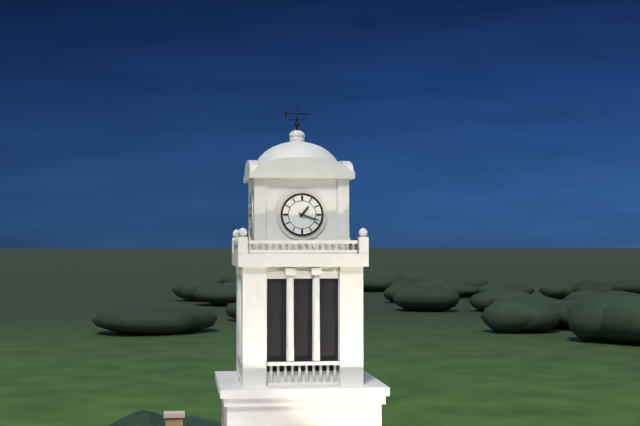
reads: 1,18
